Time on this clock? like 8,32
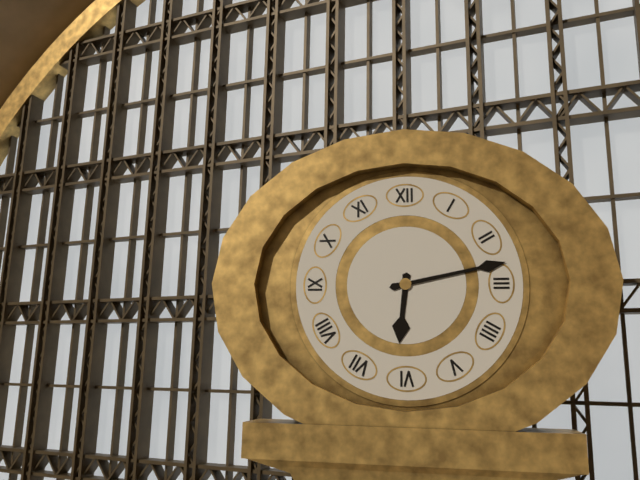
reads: 6,13
